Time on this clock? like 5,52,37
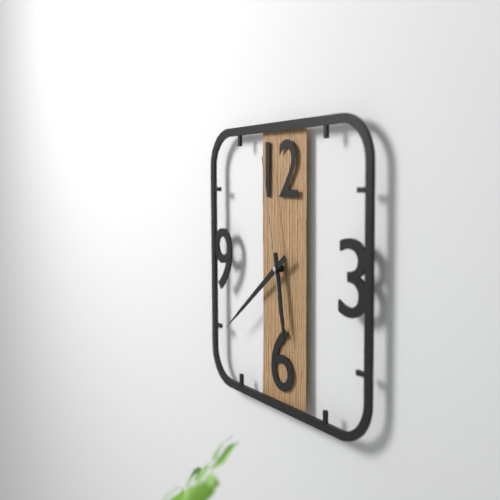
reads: 5,39,58
